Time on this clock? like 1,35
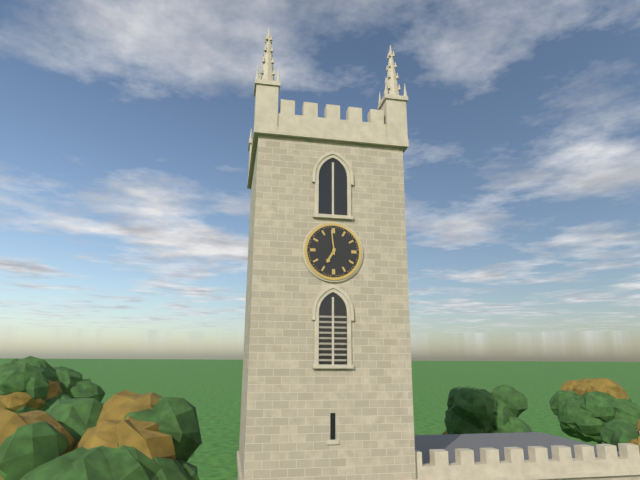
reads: 6,59
